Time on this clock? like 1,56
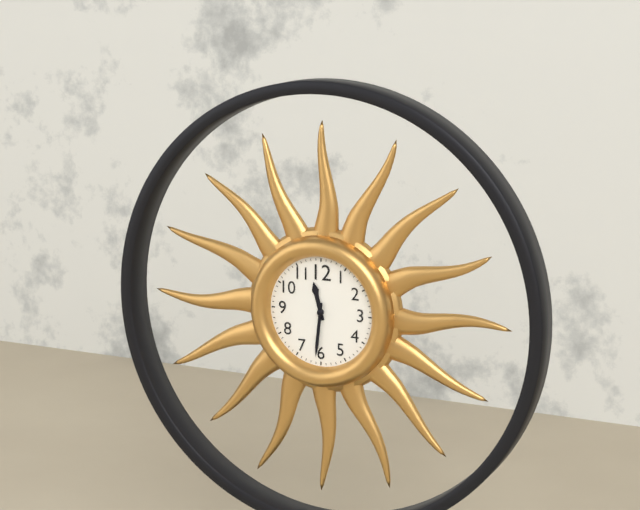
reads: 11,31
